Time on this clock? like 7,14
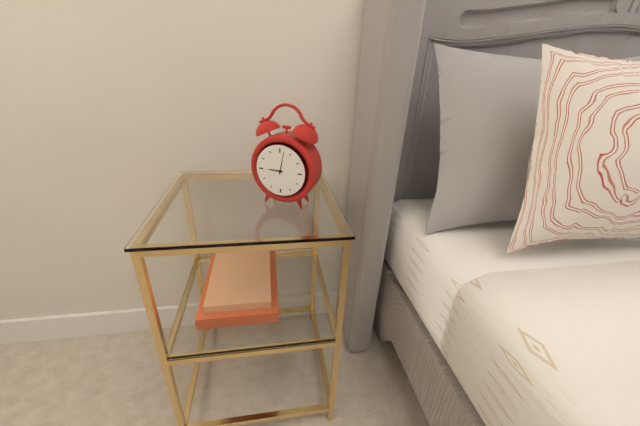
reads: 9,02
